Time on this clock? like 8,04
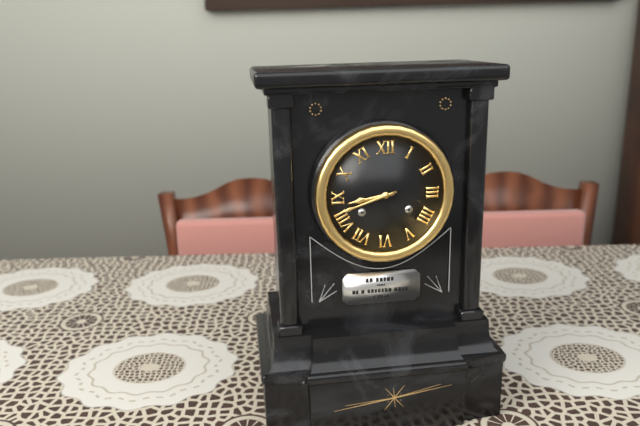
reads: 8,42
